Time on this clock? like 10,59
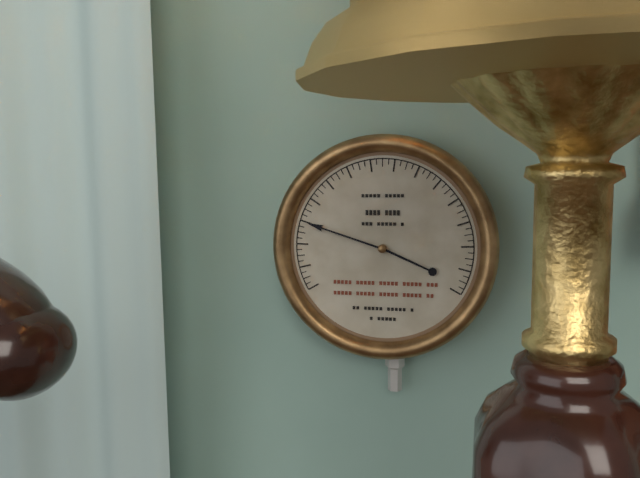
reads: 3,48
